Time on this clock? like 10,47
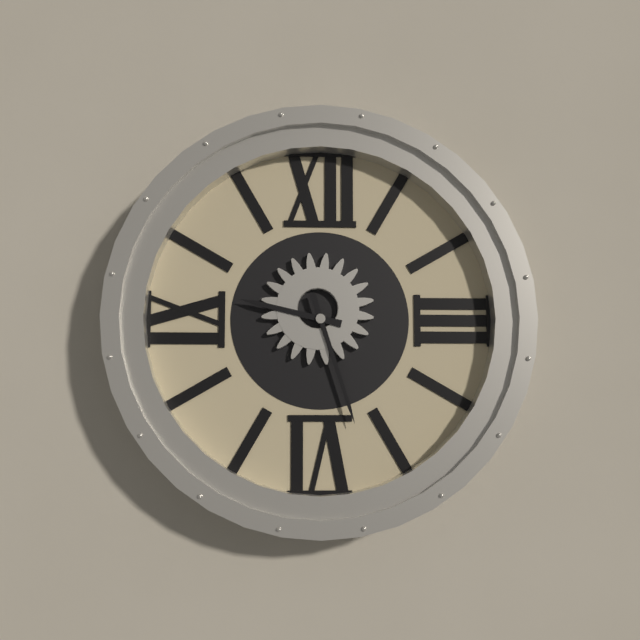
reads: 9,27
